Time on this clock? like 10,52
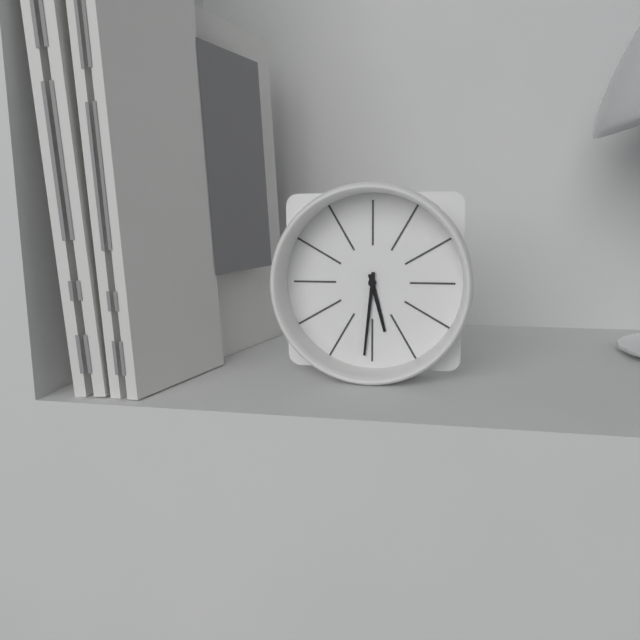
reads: 5,31
